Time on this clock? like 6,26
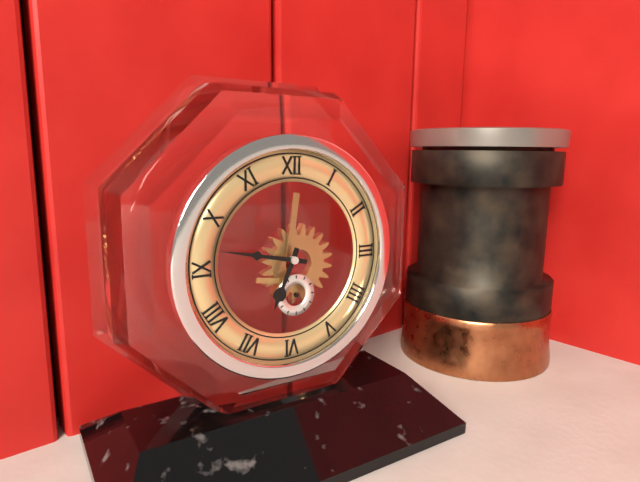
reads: 6,47
